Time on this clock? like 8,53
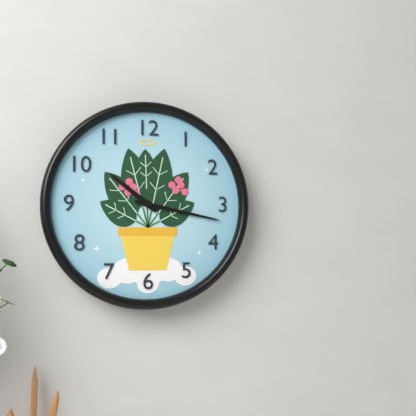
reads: 10,17
